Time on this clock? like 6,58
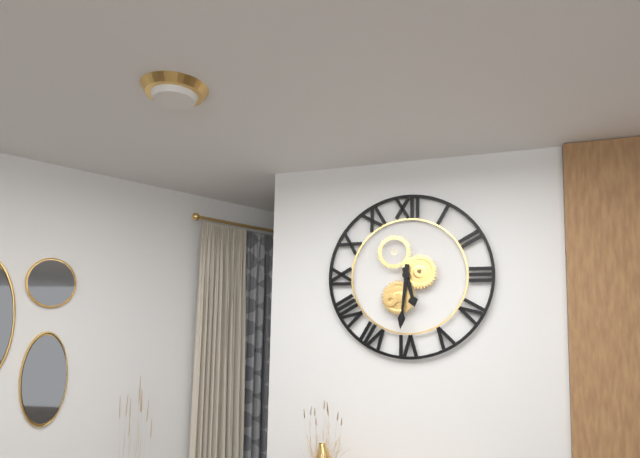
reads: 5,31
